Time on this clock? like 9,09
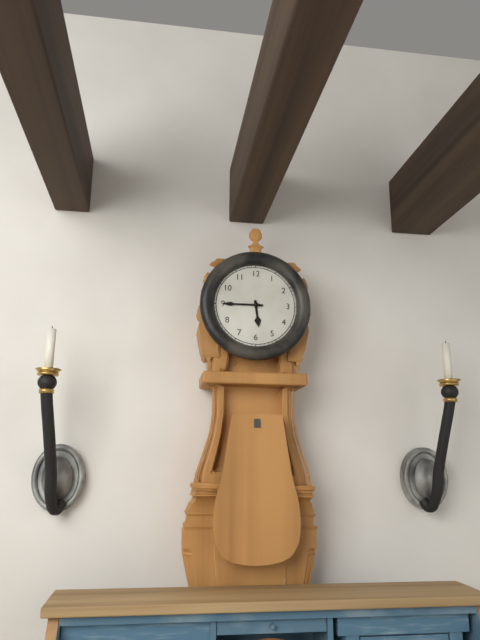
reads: 5,45
